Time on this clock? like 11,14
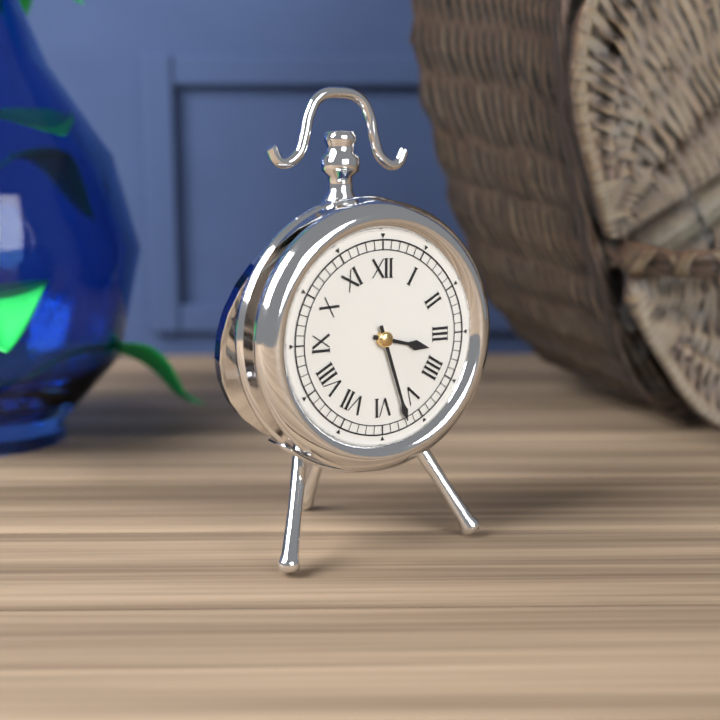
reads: 3,27
